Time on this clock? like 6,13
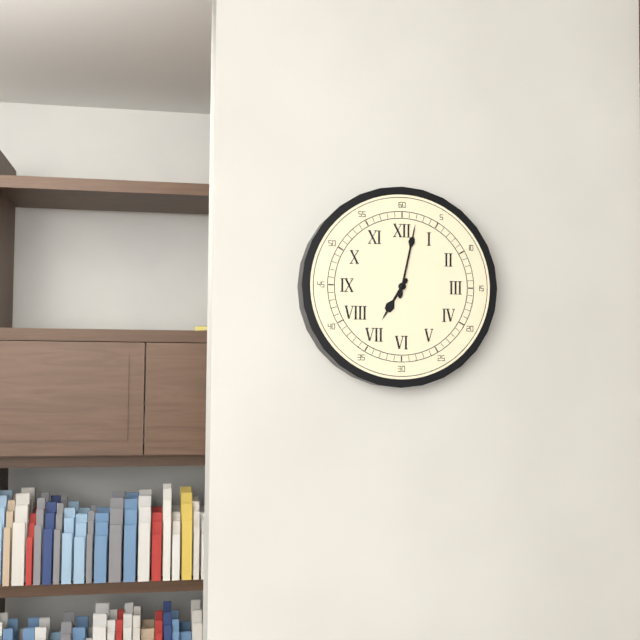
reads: 7,02
